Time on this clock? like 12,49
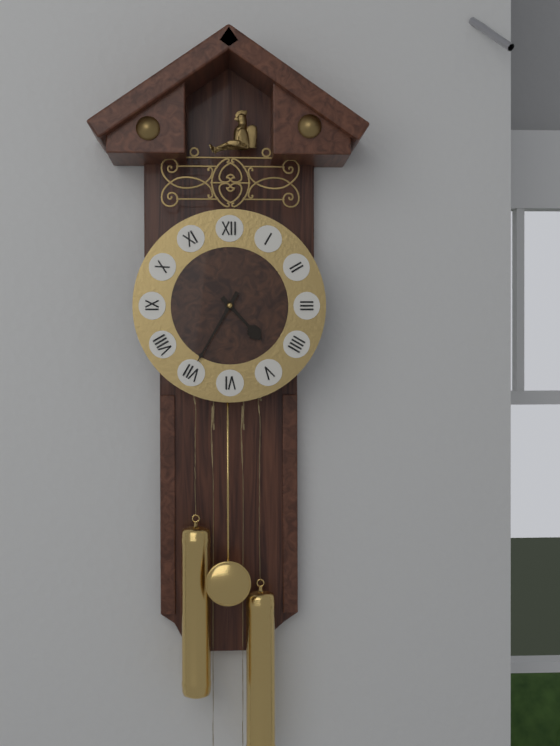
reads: 4,35
